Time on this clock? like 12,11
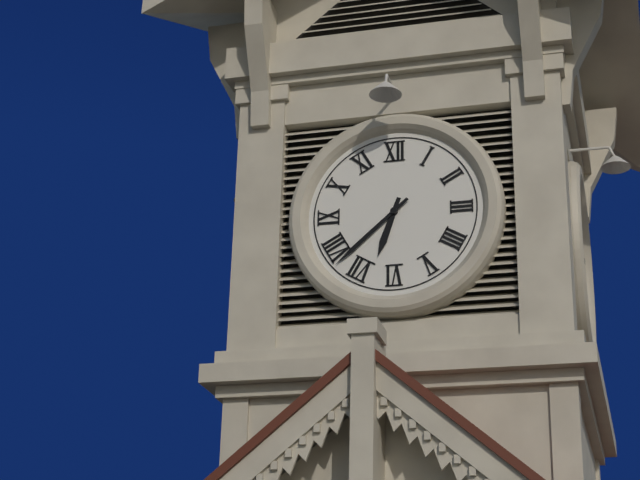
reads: 6,38
